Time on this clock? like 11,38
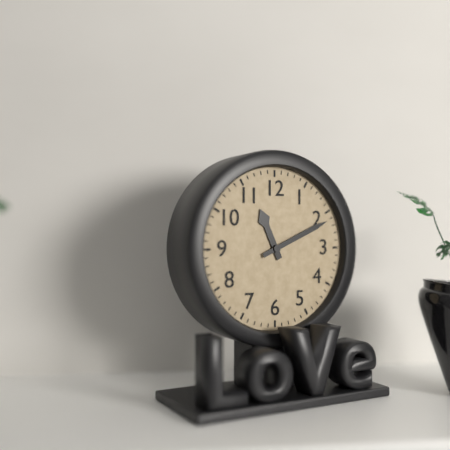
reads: 11,11
